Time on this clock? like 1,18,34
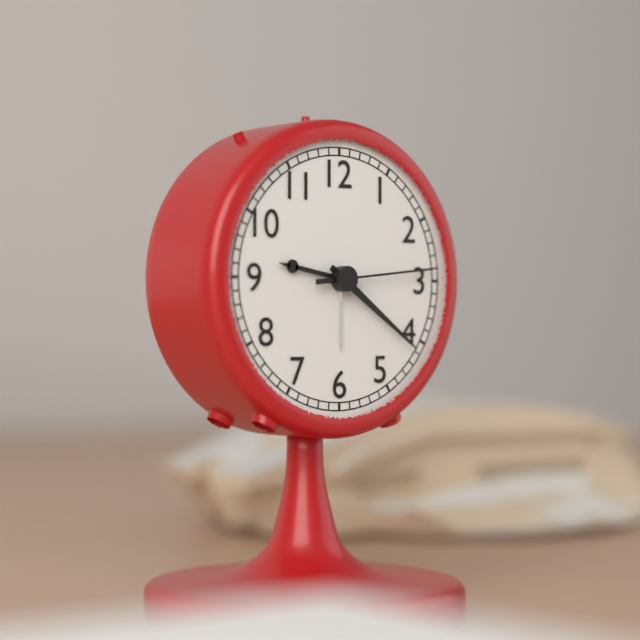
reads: 9,21,14
